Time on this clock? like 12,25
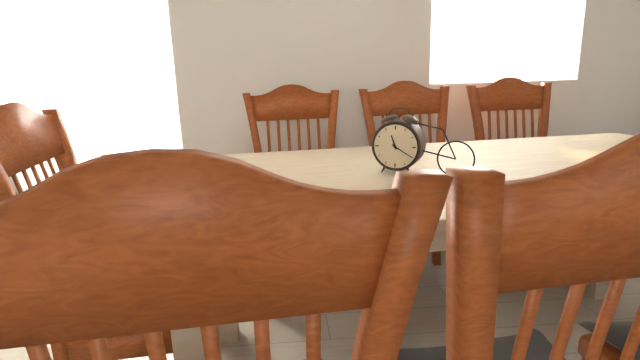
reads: 11,20
